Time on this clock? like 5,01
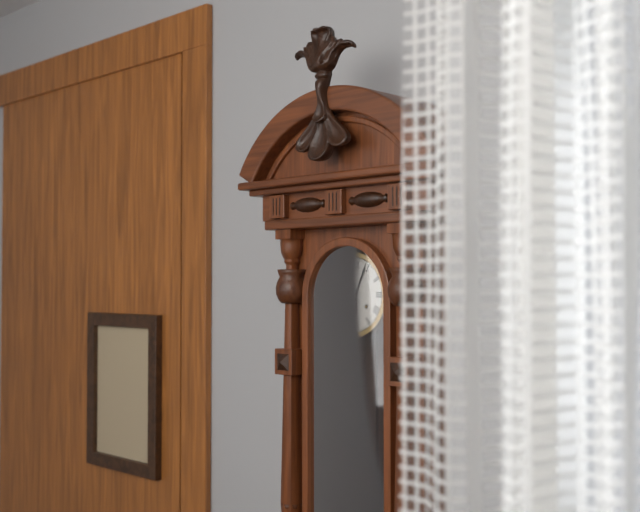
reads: 6,04
